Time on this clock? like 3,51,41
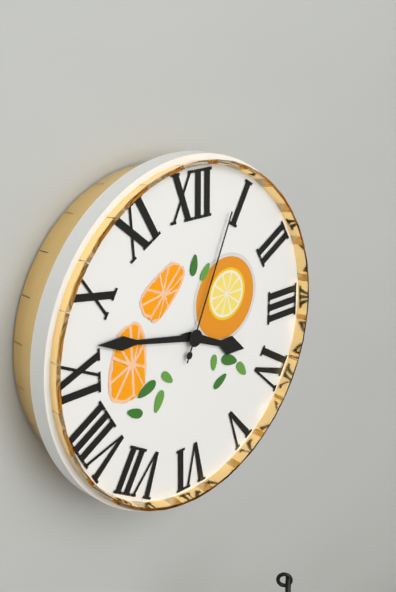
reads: 3,47,04
